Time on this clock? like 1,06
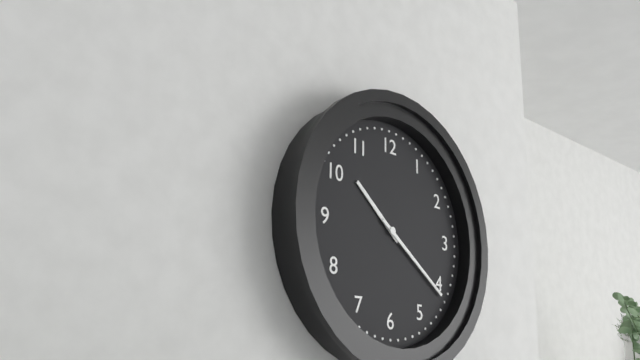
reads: 10,21
